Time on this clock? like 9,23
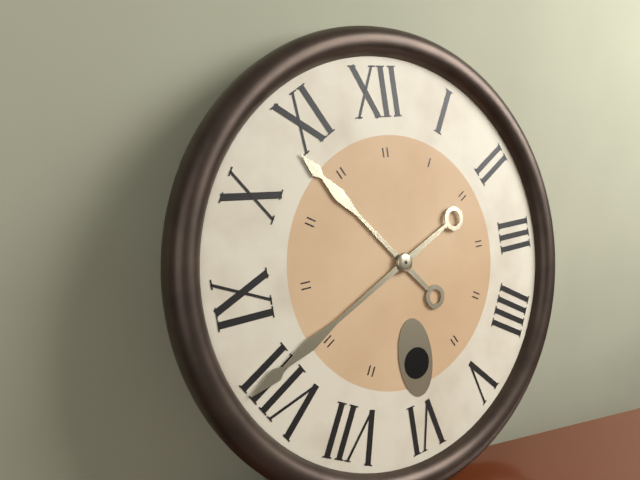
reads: 10,41
